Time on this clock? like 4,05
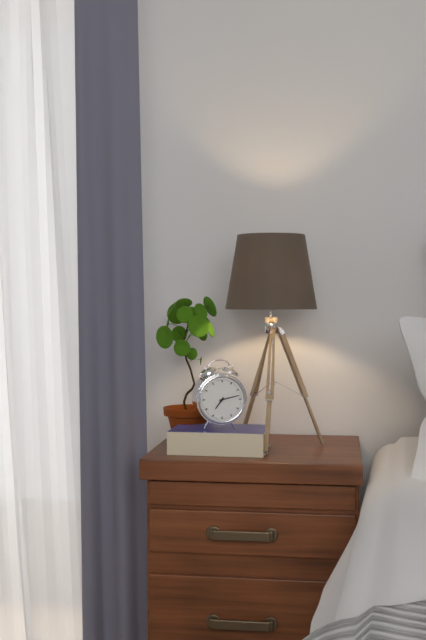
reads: 7,13
